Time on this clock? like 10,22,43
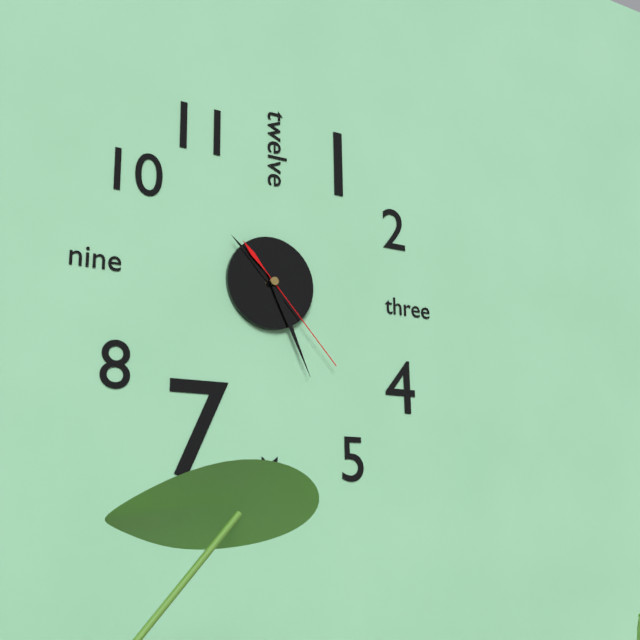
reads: 10,26,23
